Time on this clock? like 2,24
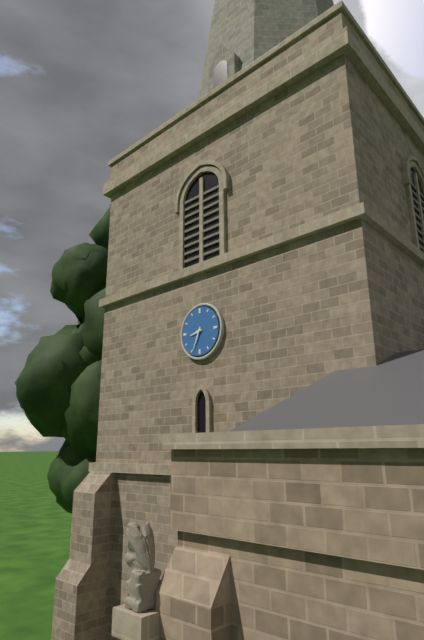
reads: 8,34
